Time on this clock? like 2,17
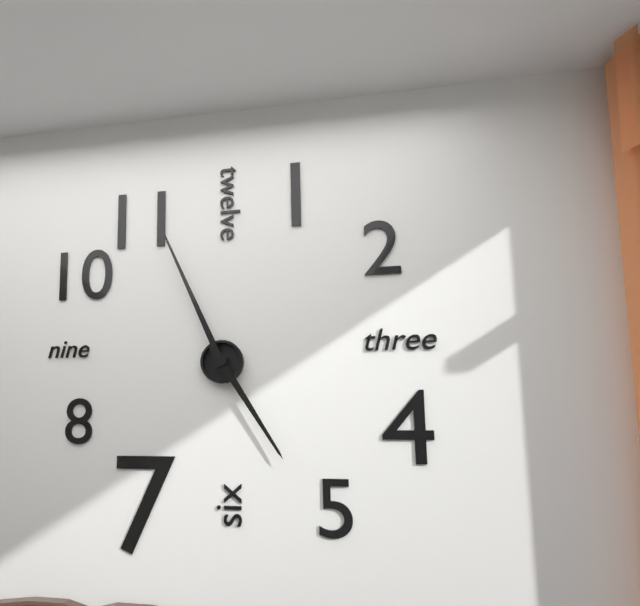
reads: 4,56
